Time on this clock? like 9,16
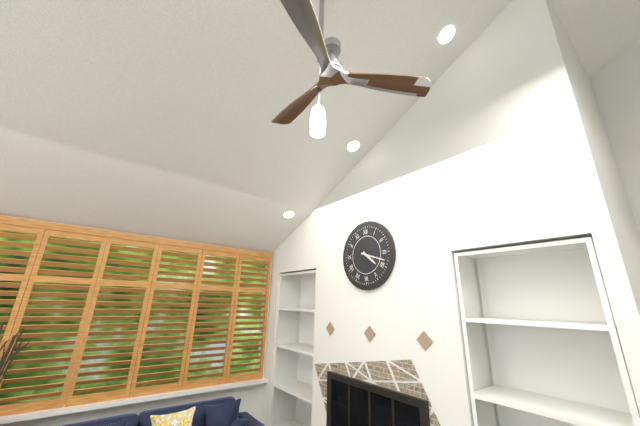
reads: 4,18
